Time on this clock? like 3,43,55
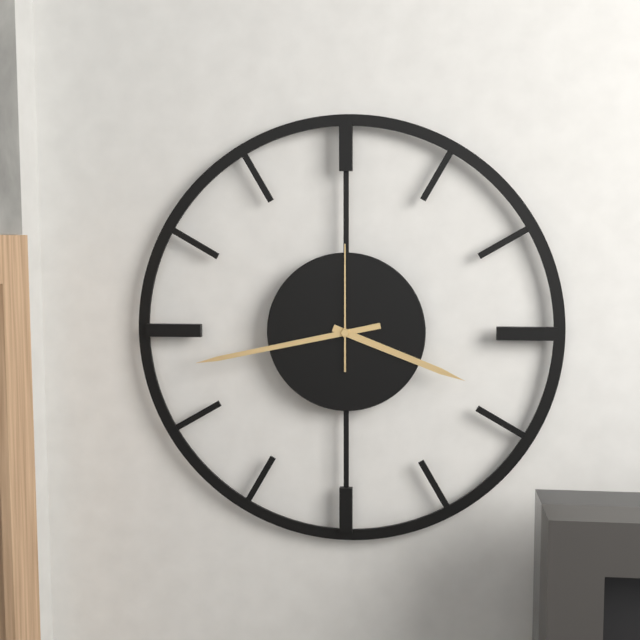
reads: 3,43,00
